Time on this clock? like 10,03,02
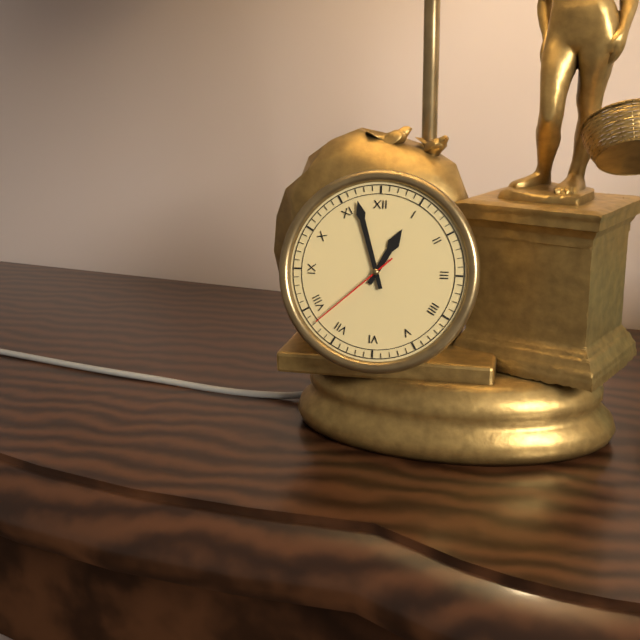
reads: 12,57,38
